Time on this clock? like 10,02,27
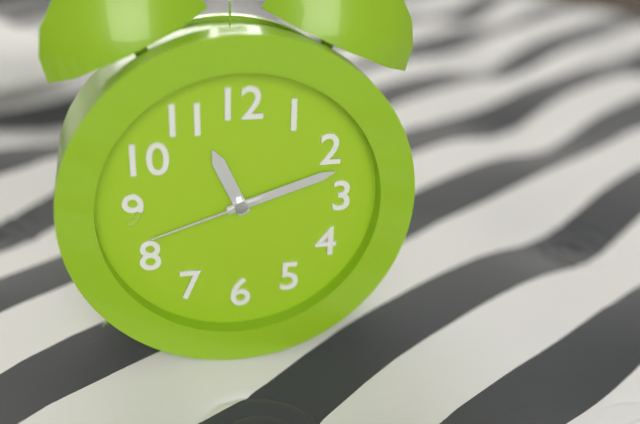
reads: 11,12,42
